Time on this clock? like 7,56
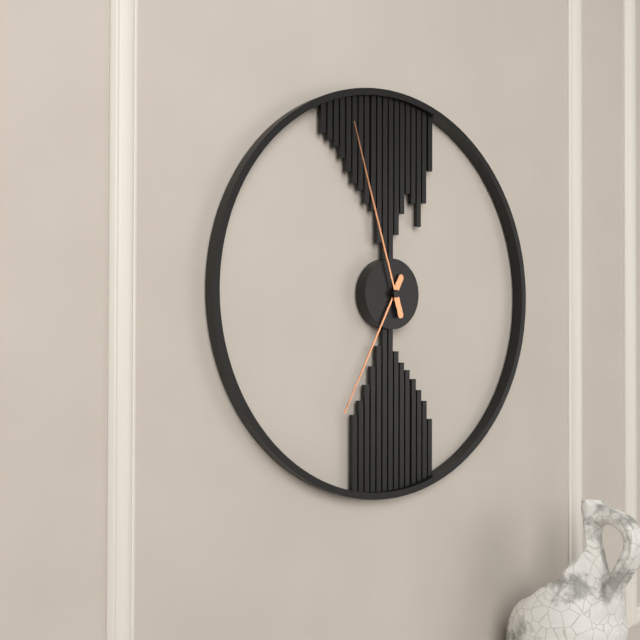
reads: 6,57
